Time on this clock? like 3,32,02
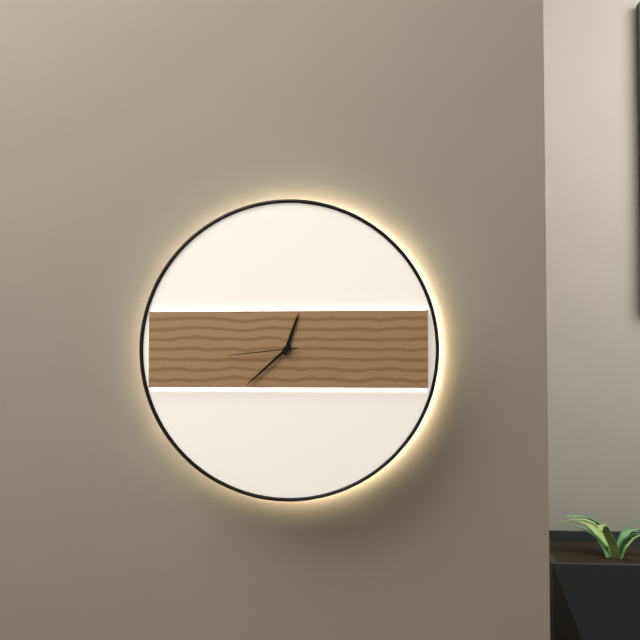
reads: 12,38,44
